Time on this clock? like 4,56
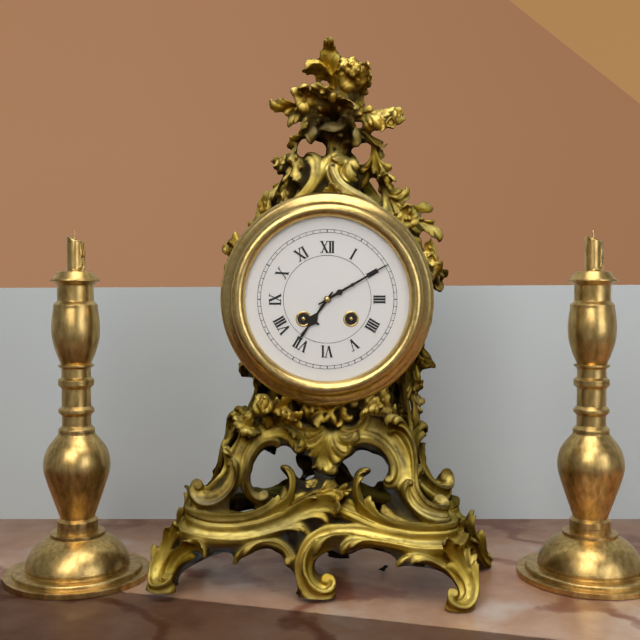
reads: 7,10
